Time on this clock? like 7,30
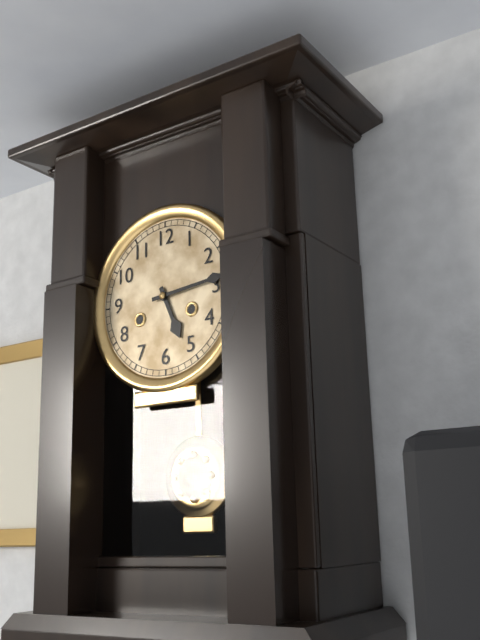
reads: 5,14
